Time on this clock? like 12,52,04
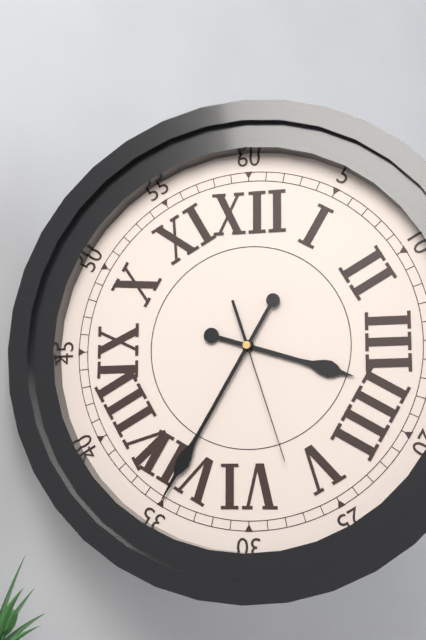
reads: 3,35,27
